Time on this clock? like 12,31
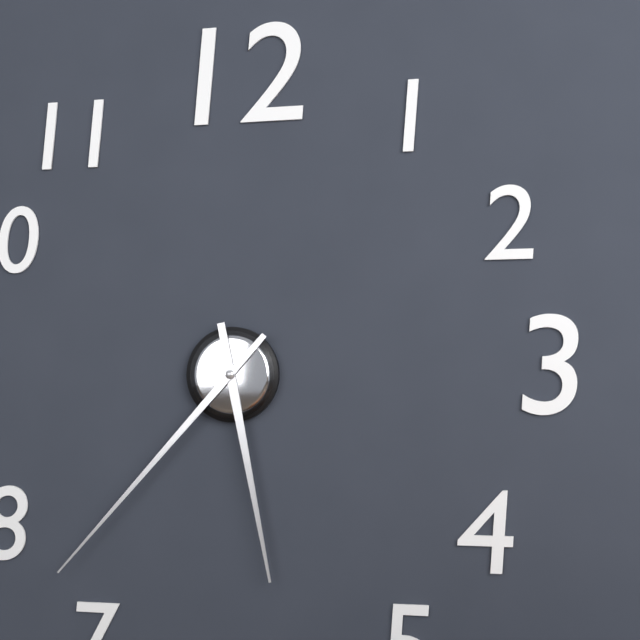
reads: 5,37
